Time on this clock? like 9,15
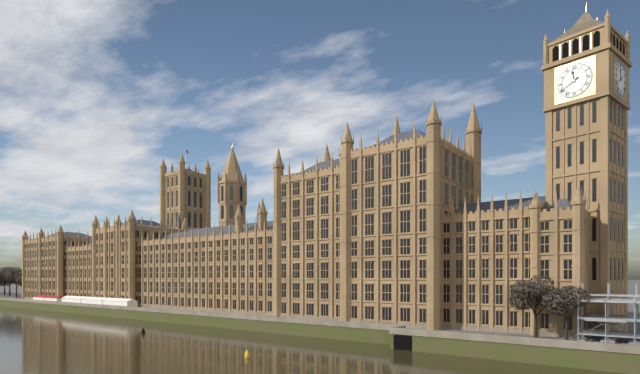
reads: 11,40
